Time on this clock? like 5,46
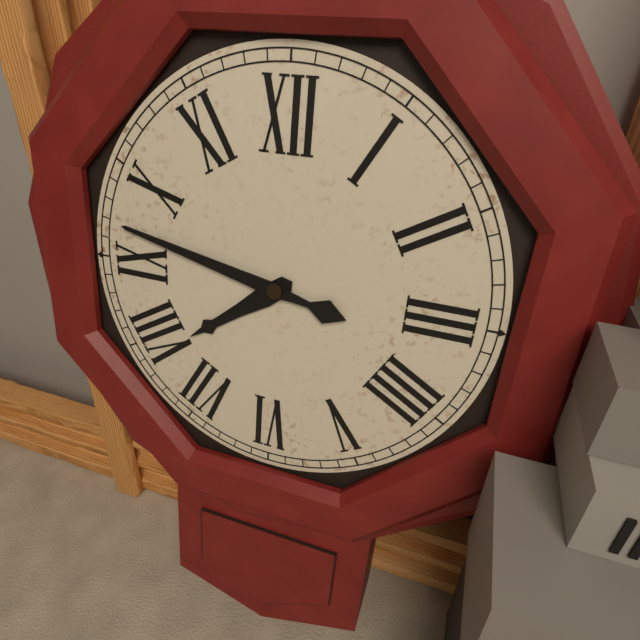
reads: 7,47
